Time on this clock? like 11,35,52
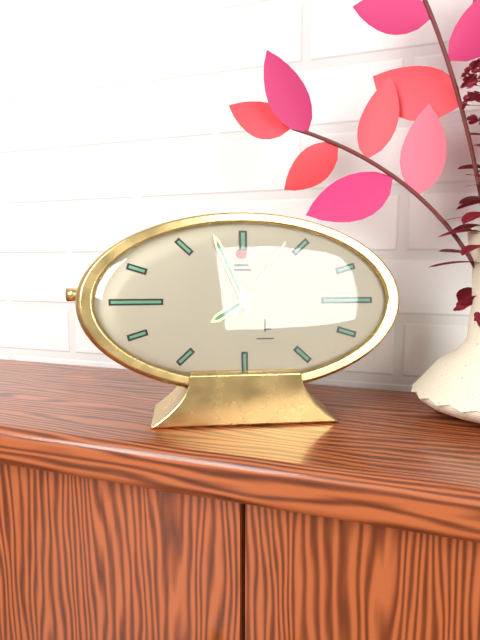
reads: 7,56,06
